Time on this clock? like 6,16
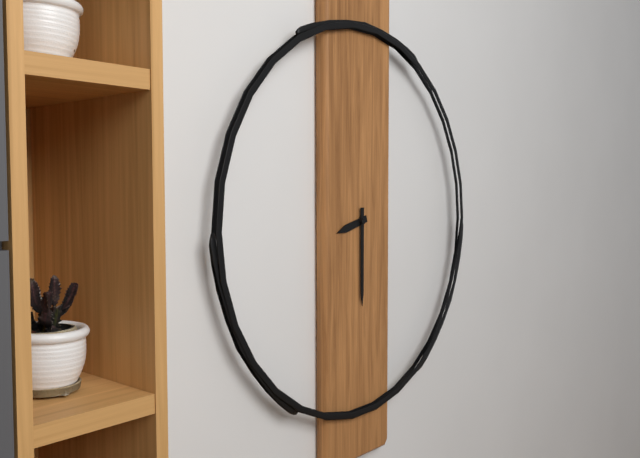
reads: 8,30
